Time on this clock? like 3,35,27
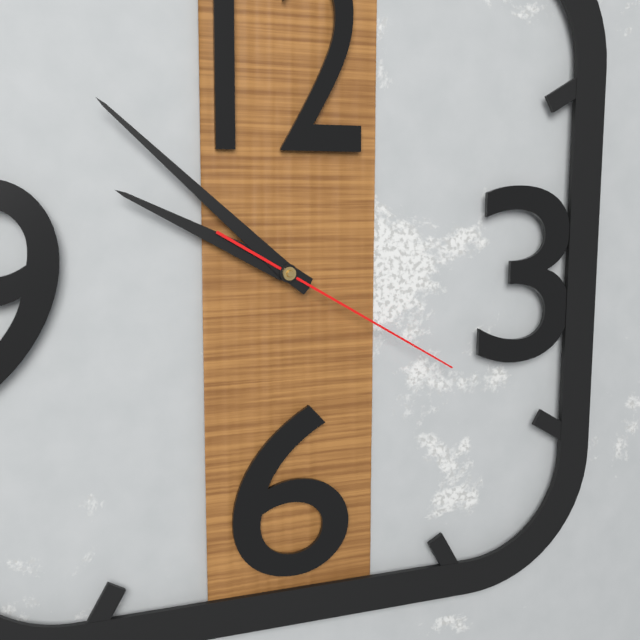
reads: 9,52,20
